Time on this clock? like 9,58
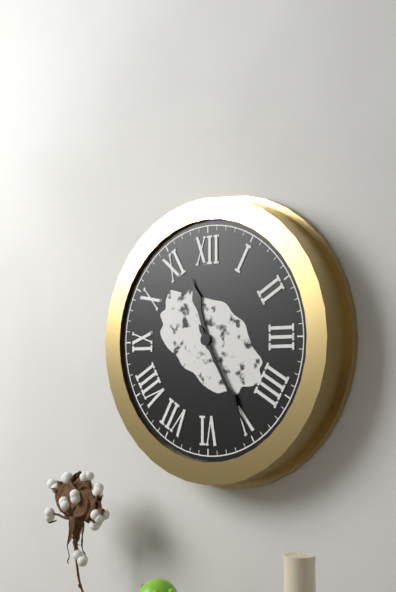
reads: 11,25
